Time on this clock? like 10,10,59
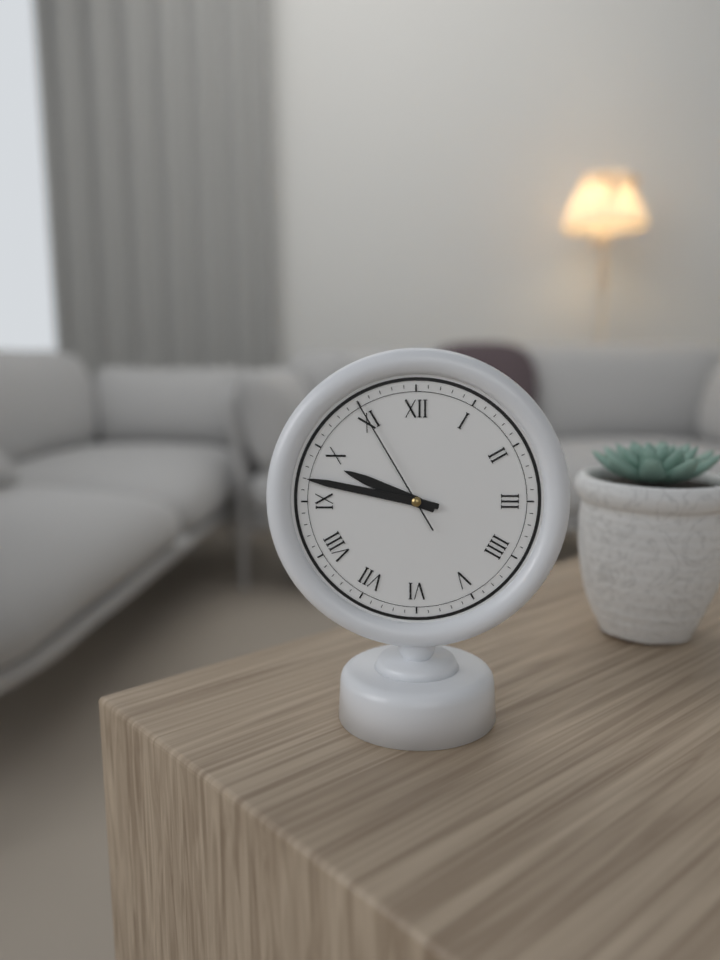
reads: 9,47,55
